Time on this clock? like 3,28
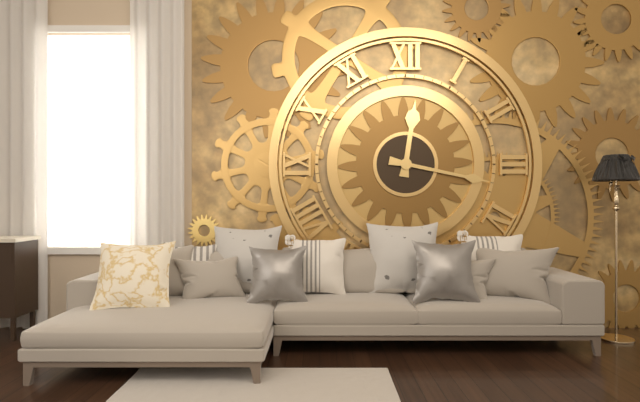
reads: 12,17
